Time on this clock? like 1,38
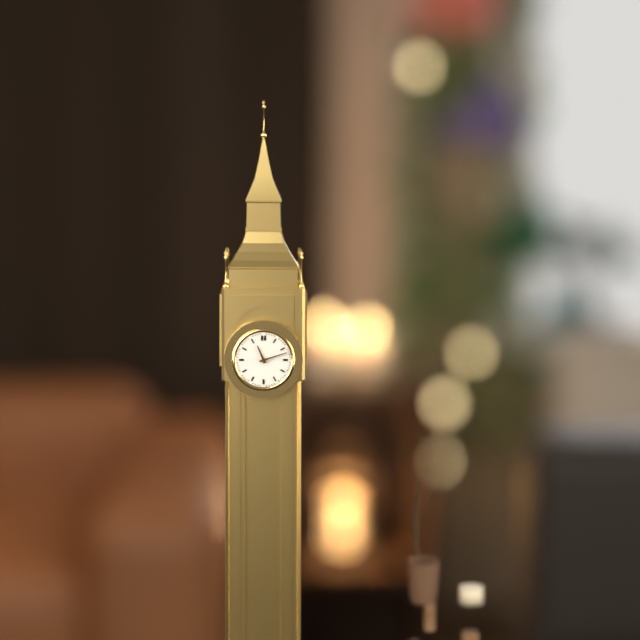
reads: 11,12
